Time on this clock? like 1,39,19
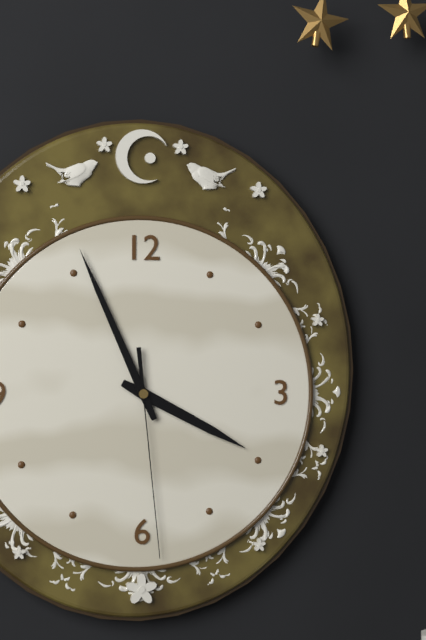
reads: 3,56,29
